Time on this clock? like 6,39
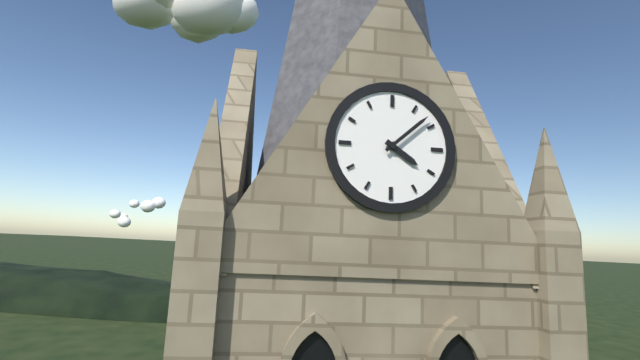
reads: 4,08
